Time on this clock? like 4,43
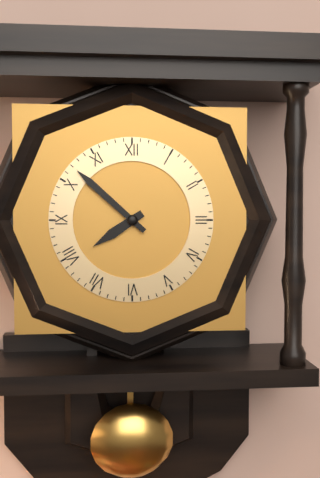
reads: 7,52
